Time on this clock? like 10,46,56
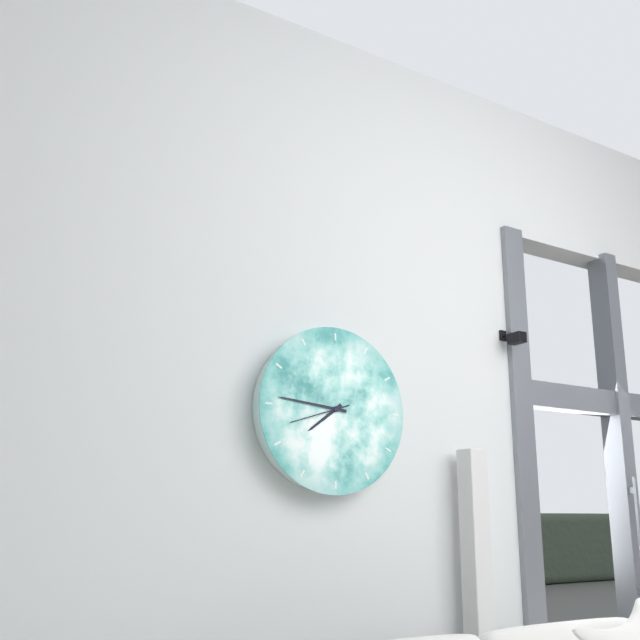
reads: 7,46,42
